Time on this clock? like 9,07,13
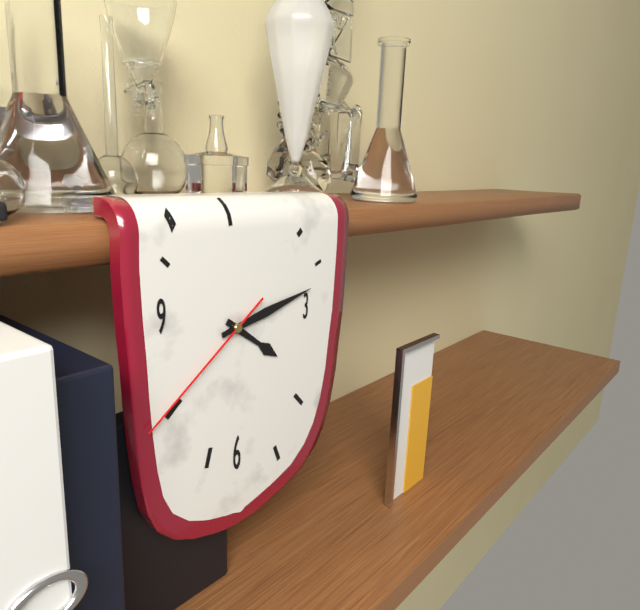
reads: 4,13,39
